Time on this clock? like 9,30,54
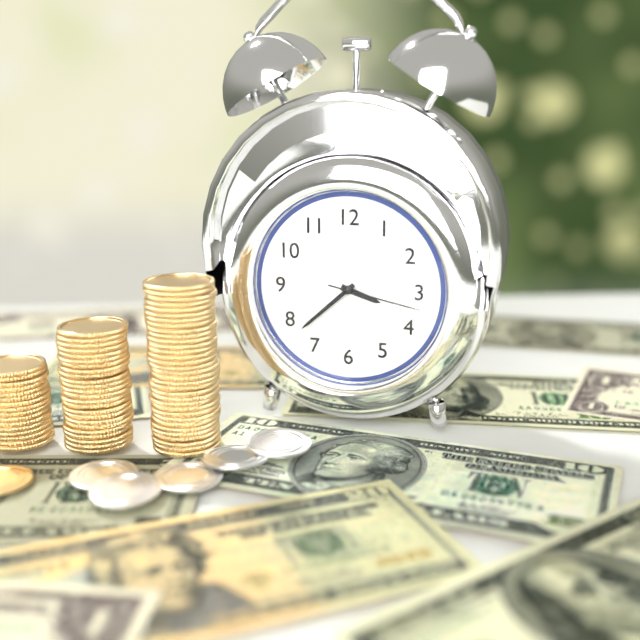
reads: 3,38,17
